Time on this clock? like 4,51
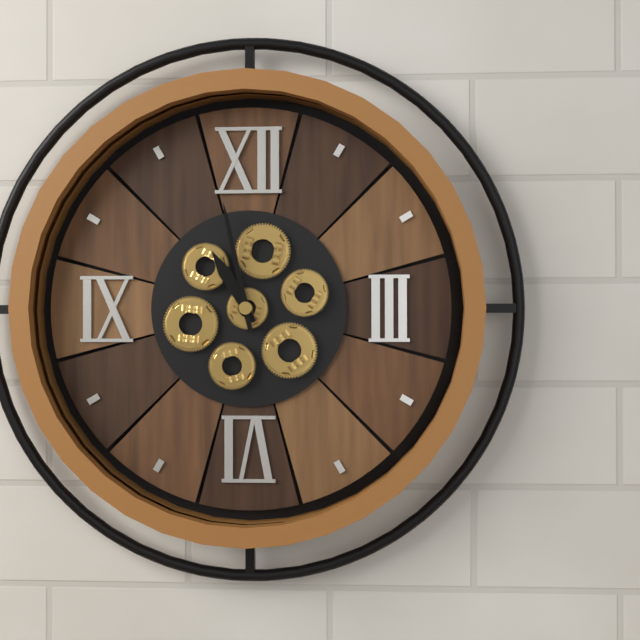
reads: 10,58
